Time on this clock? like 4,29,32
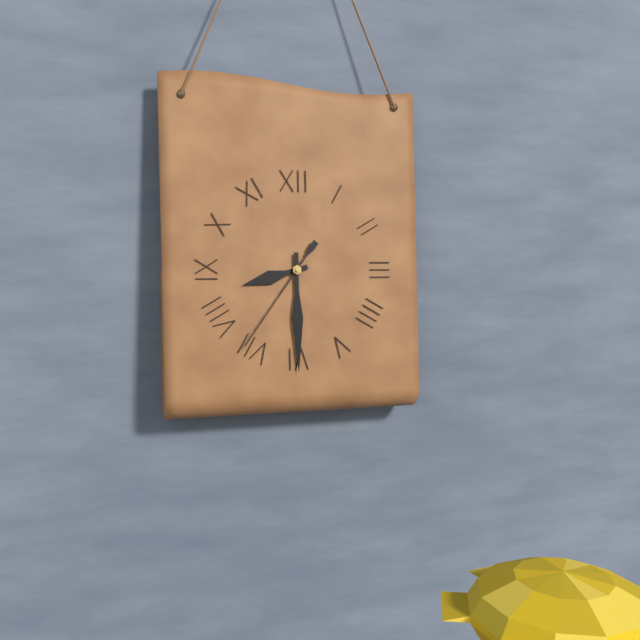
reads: 8,30,36
